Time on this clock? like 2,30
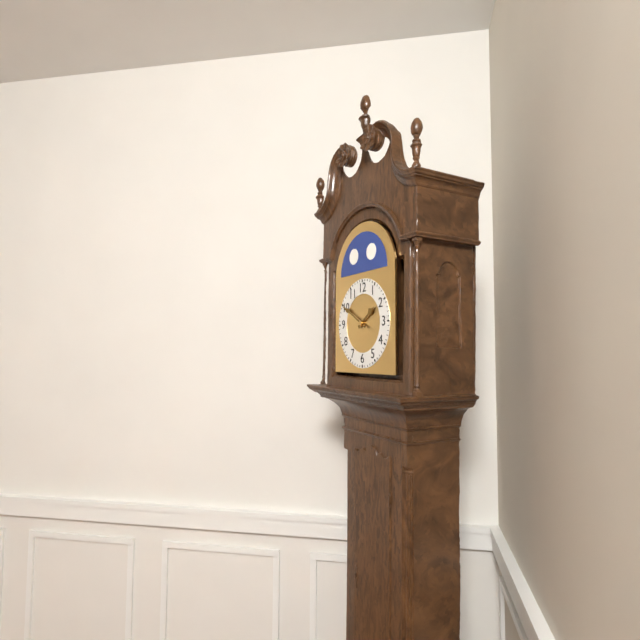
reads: 1,50
